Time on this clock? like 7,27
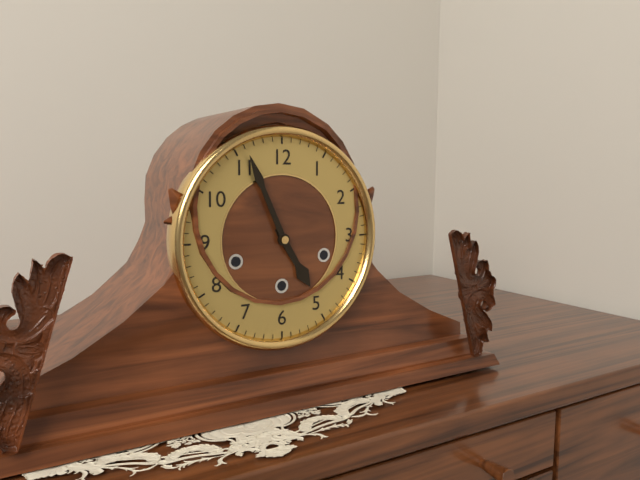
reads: 4,56
